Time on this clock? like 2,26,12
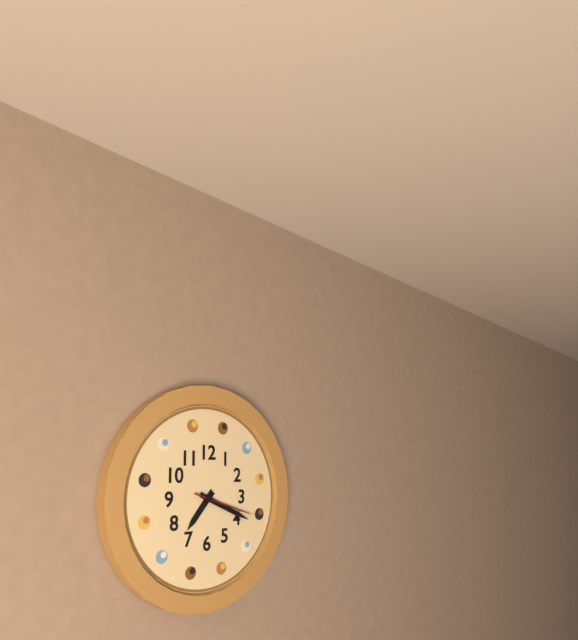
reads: 7,19,18
